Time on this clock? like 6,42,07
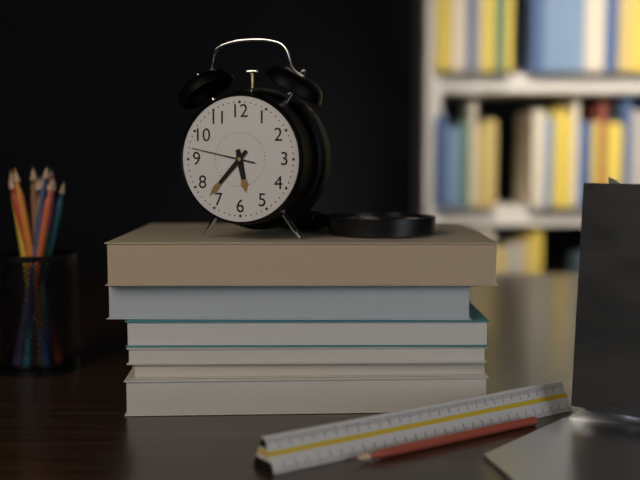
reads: 5,37,47
